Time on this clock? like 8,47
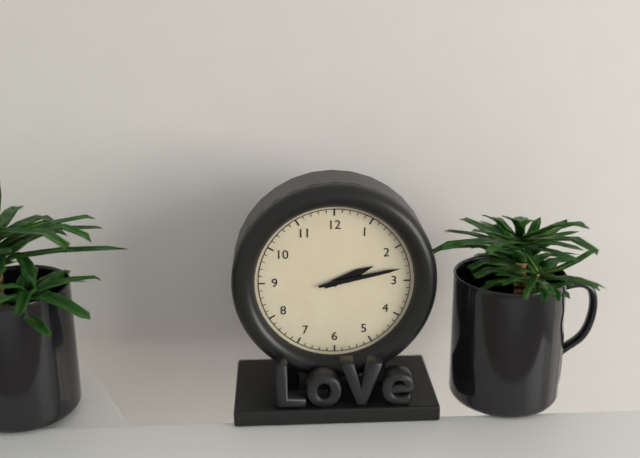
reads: 2,13
